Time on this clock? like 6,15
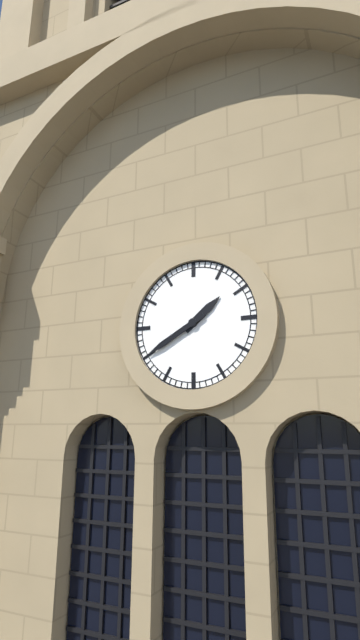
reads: 1,40
